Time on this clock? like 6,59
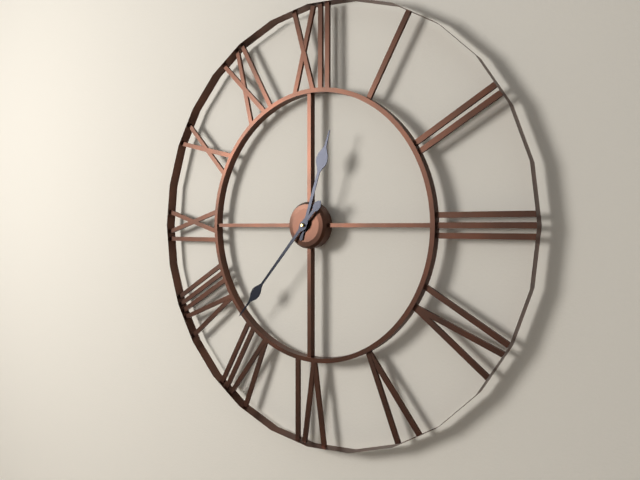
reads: 12,37
